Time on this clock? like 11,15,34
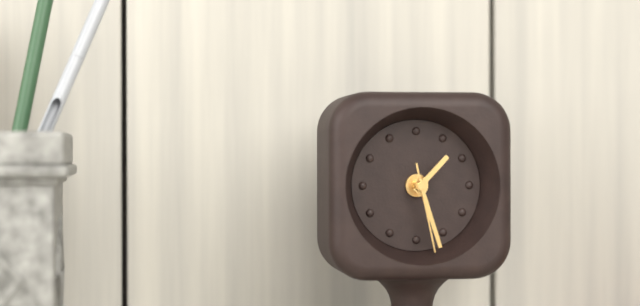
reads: 1,27,28
